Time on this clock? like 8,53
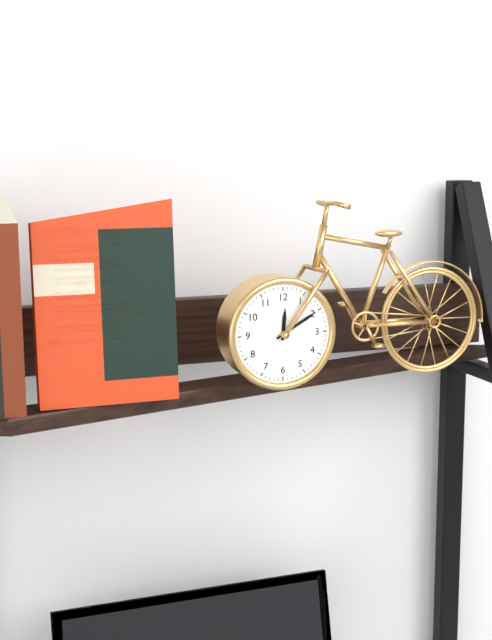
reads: 12,10
